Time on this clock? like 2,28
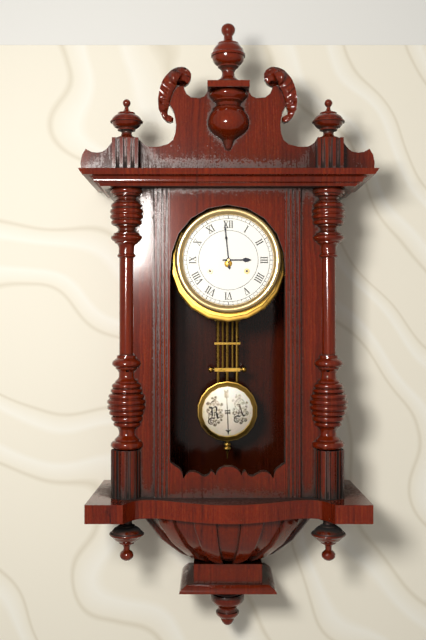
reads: 2,59
